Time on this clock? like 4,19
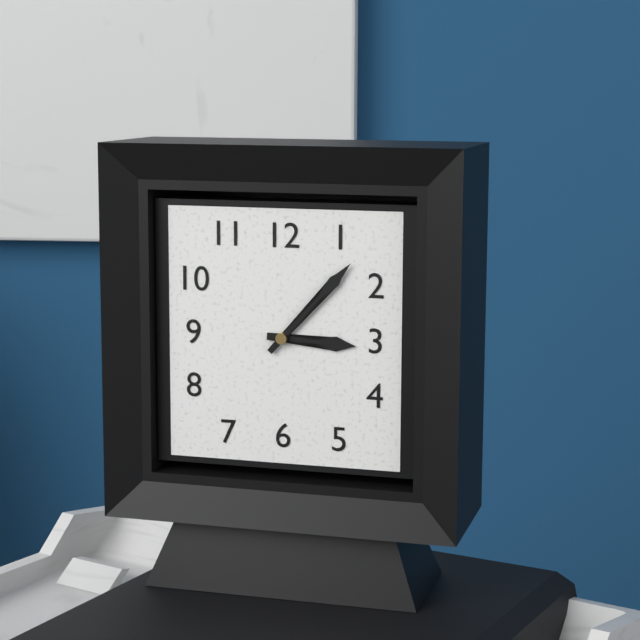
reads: 3,07
